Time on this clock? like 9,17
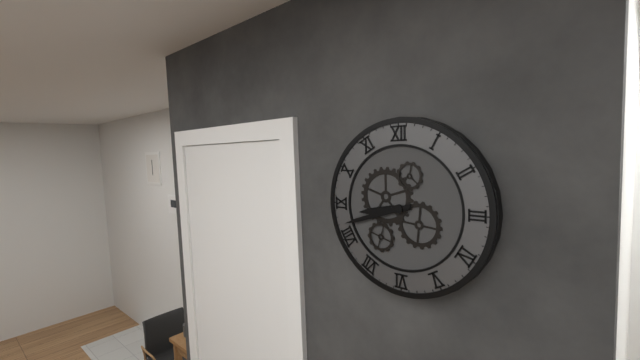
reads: 8,42
